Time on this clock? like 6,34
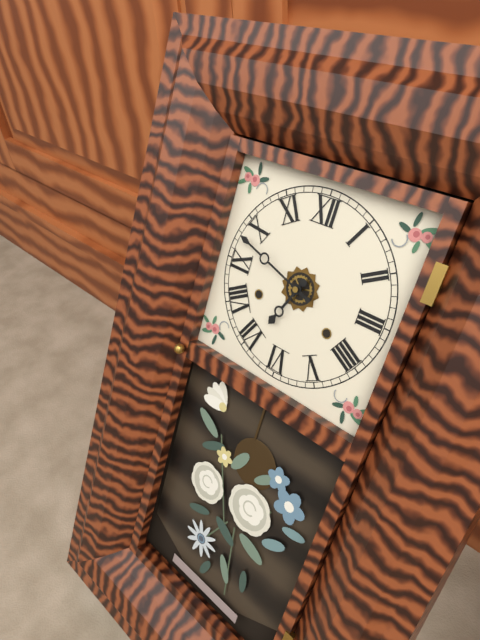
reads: 6,48
